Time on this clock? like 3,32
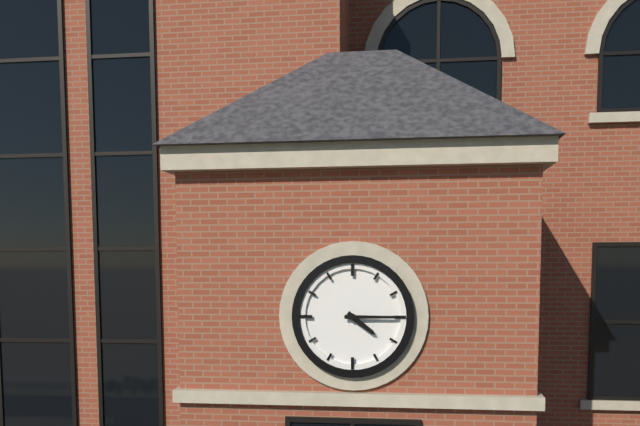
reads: 4,15
